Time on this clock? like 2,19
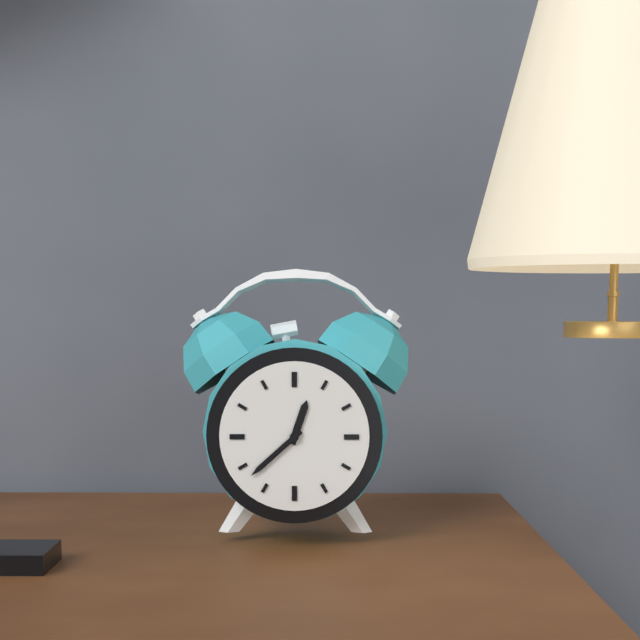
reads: 12,38
